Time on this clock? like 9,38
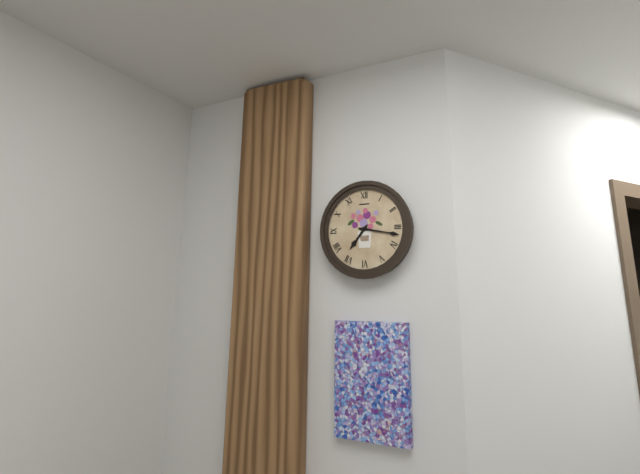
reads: 7,17
